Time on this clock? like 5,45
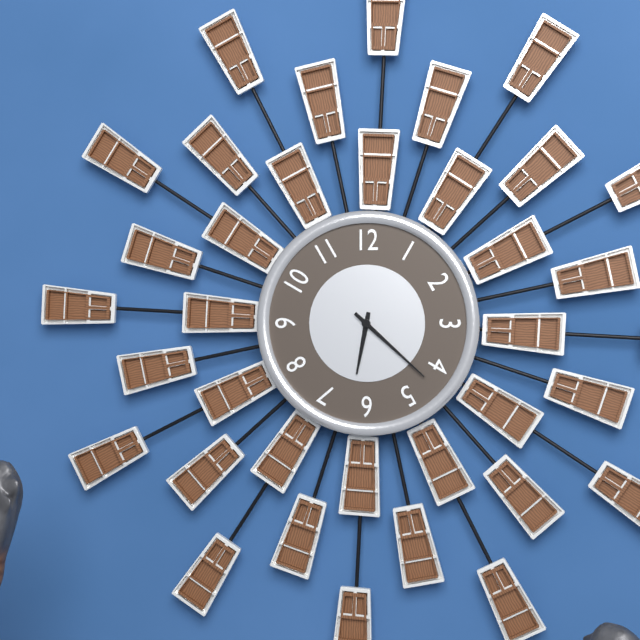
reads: 6,22
